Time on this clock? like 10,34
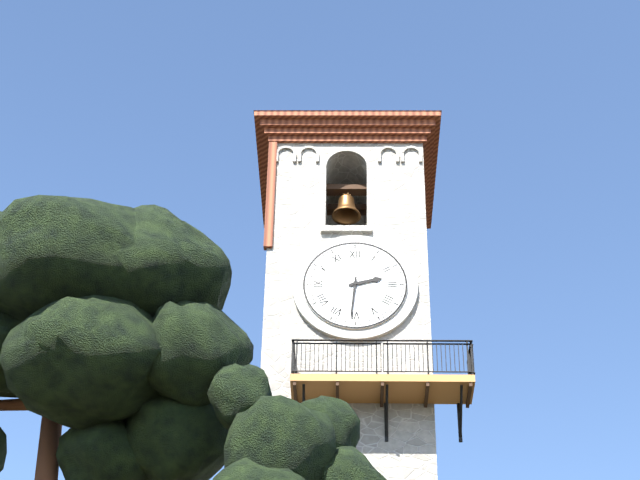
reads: 2,31
